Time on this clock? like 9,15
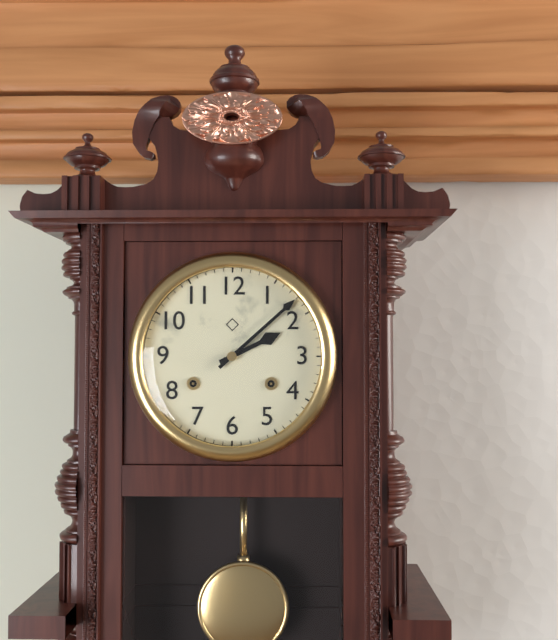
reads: 2,08
